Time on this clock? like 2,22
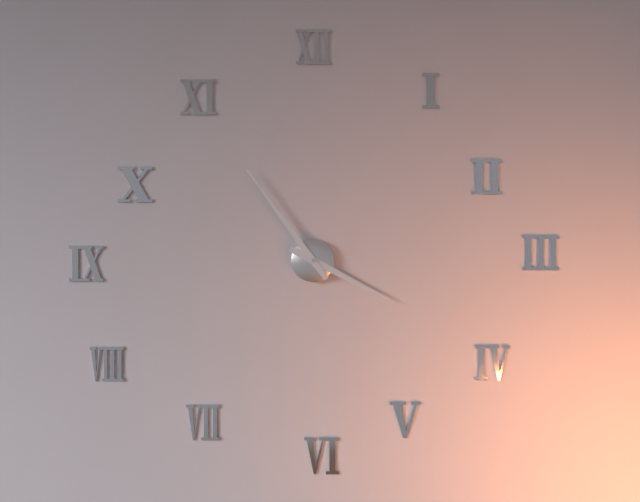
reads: 3,54
